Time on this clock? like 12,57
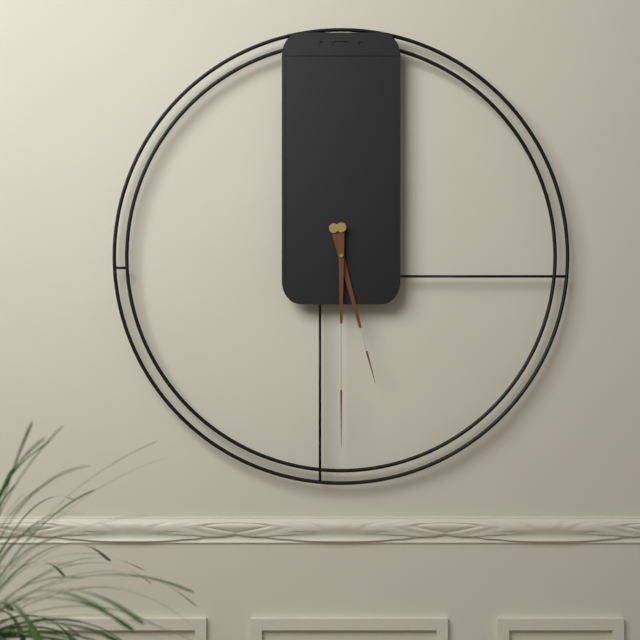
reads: 5,30
